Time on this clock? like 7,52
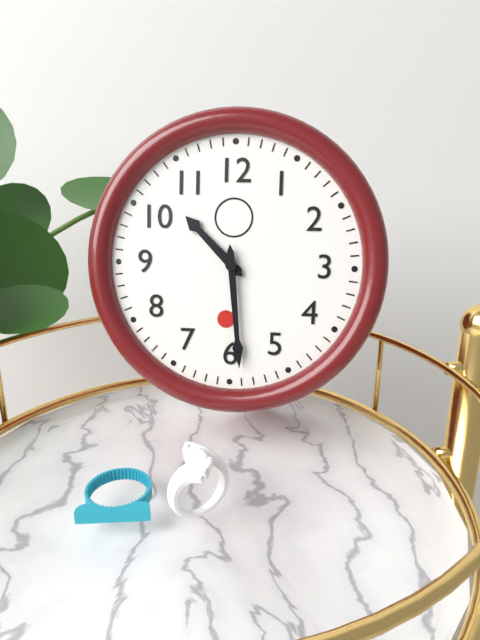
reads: 10,29
